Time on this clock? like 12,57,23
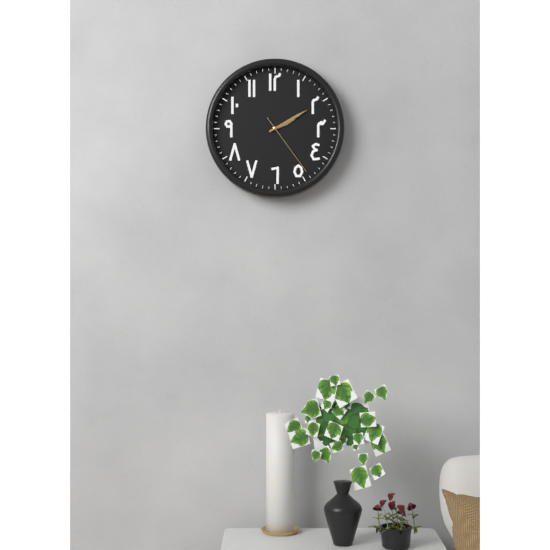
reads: 2,10,24
